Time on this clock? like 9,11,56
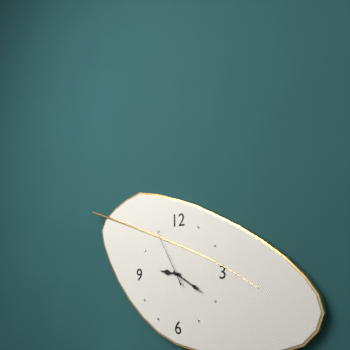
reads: 9,20,55
